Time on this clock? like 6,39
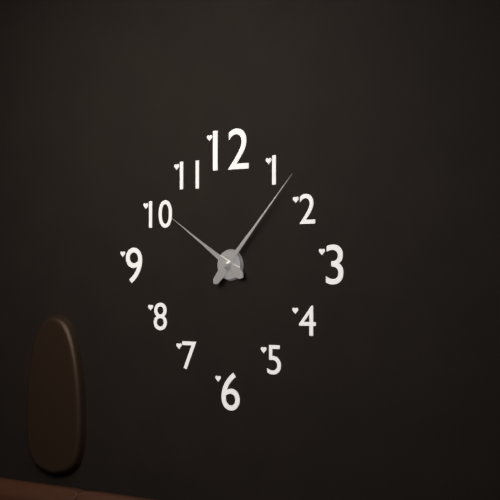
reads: 10,07
